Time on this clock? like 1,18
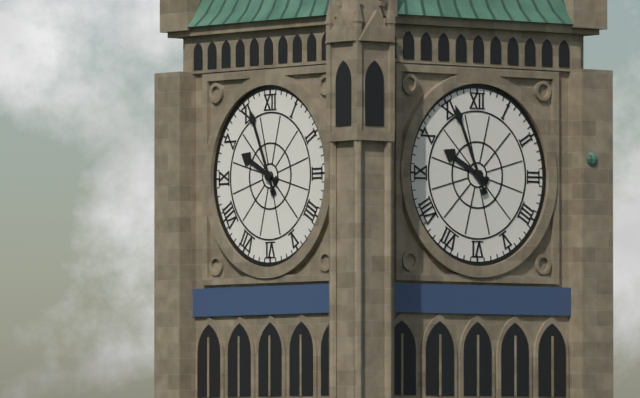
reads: 9,56
